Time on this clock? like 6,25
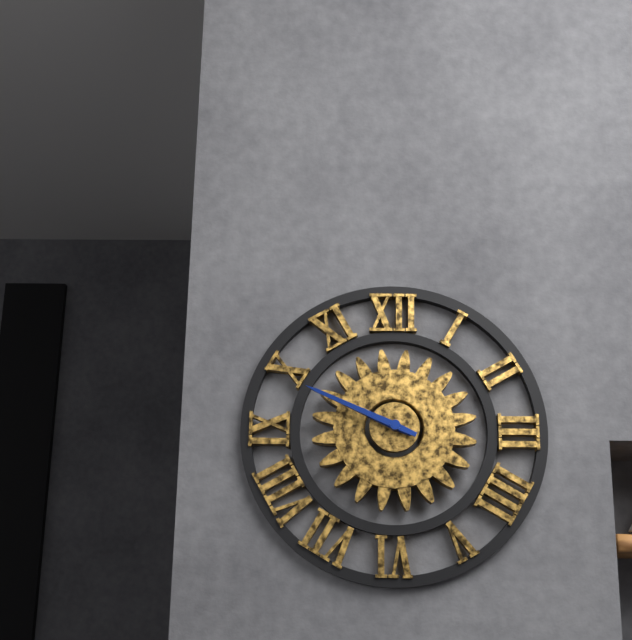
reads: 9,49
